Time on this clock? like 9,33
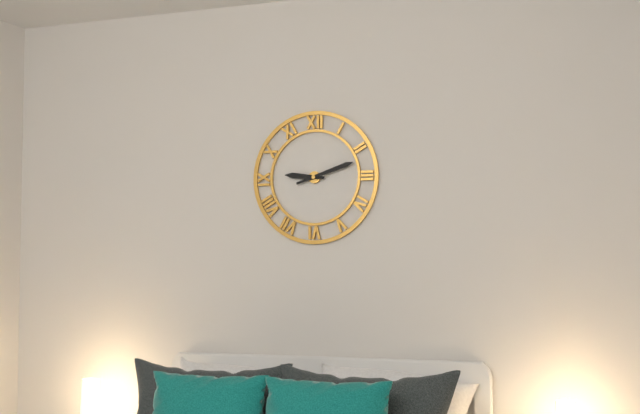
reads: 9,12
